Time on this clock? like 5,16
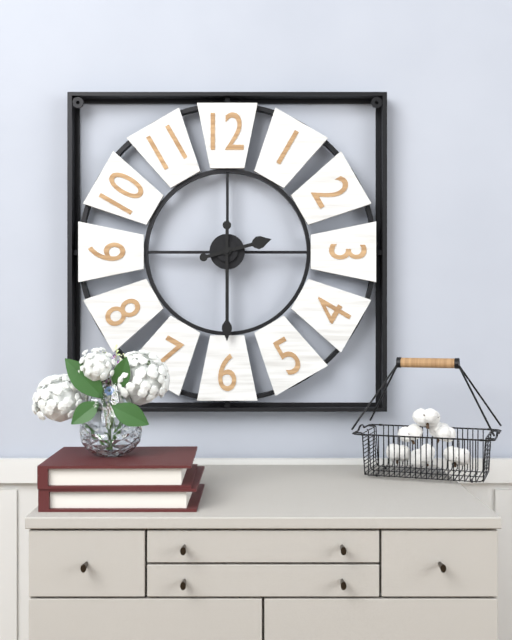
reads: 2,30
